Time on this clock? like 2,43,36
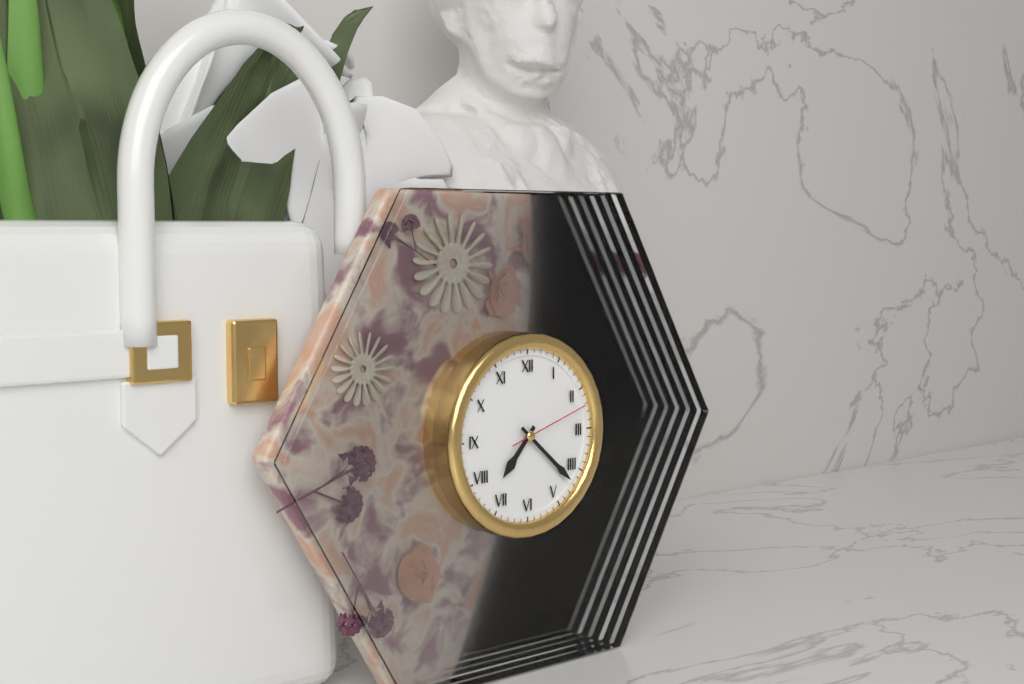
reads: 7,22,12
